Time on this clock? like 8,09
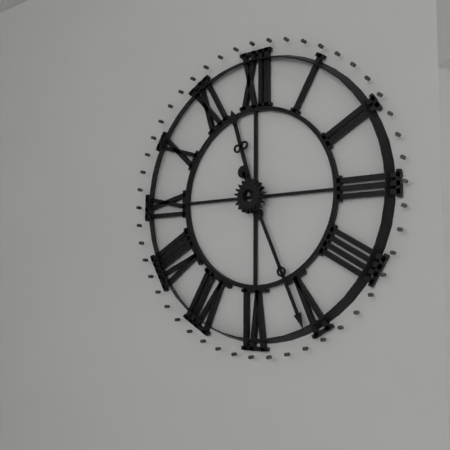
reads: 11,26
